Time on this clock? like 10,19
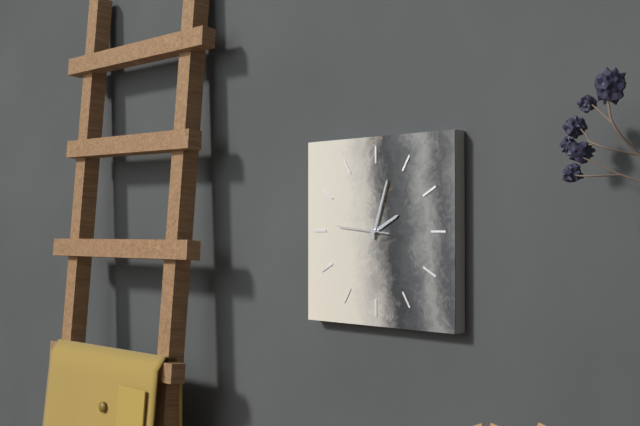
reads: 2,03
